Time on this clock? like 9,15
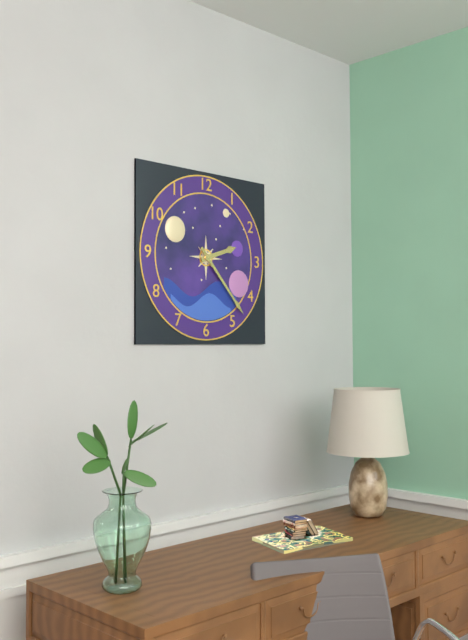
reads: 2,23
